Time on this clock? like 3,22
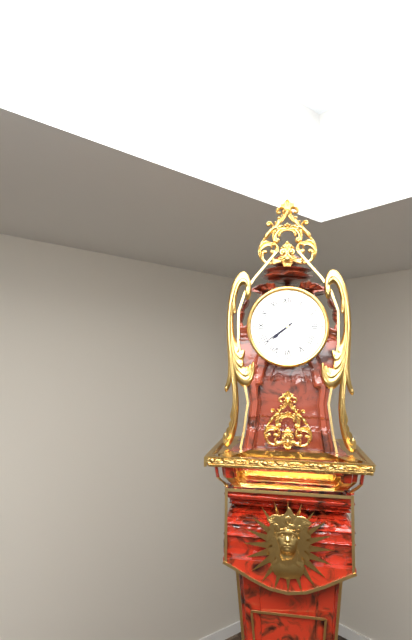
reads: 7,39
